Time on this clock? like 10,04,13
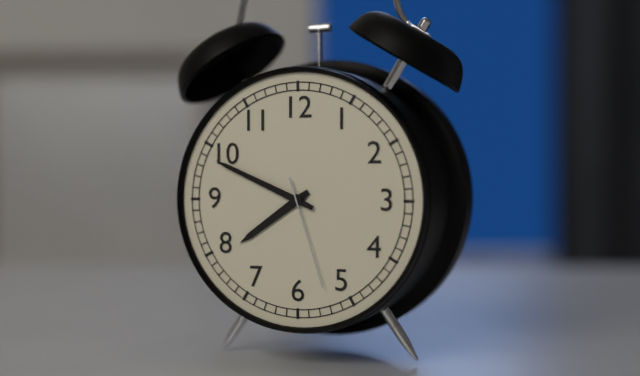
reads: 7,49,27
